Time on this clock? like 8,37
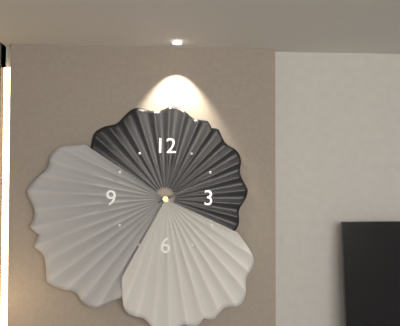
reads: 2,11
